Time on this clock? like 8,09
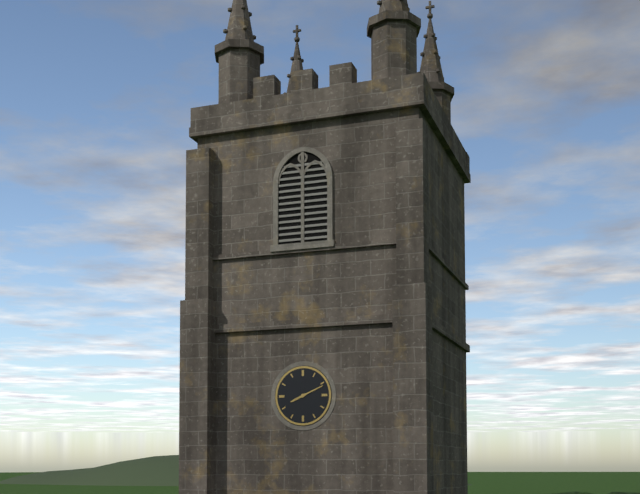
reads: 8,11
